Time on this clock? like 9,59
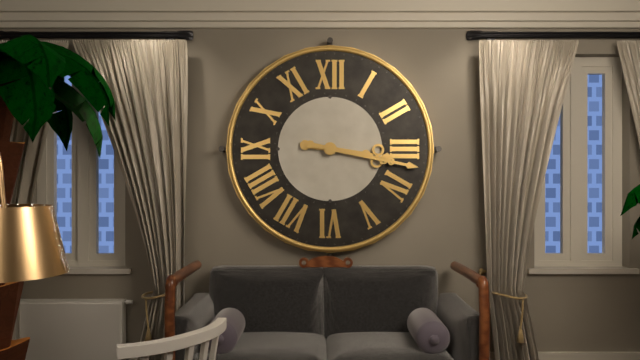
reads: 3,17
